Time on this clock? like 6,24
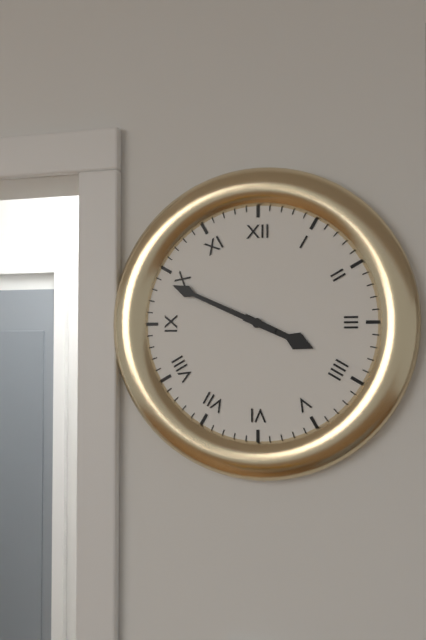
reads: 3,49
